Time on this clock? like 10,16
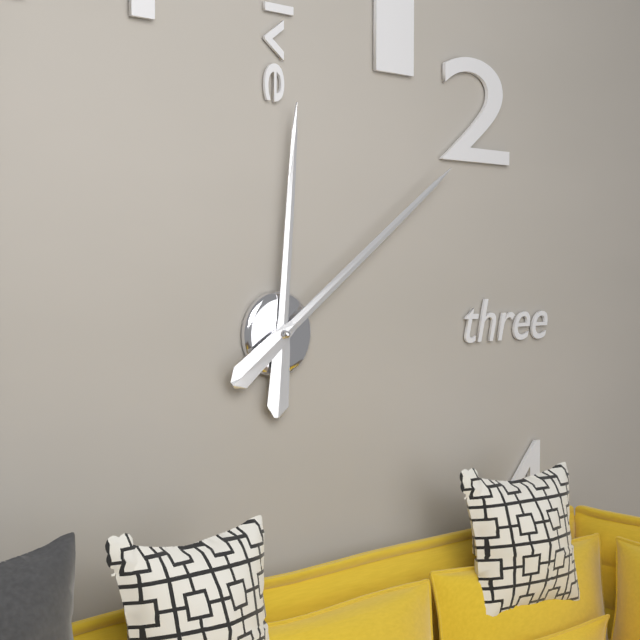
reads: 12,09
